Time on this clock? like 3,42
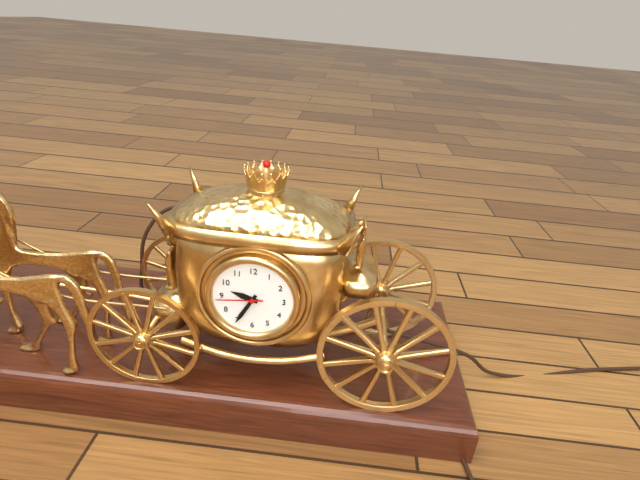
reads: 9,35
